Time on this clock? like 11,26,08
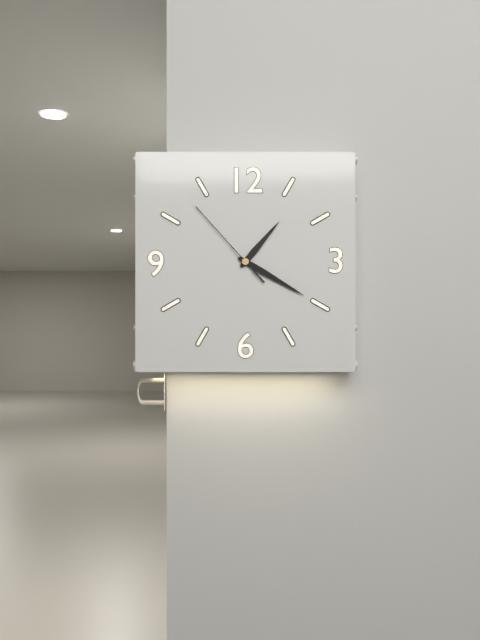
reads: 1,20,53
